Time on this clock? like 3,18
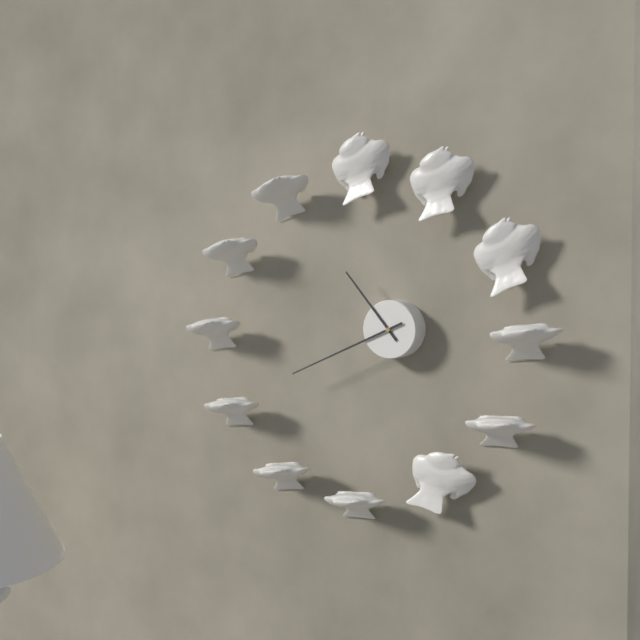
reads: 10,41
